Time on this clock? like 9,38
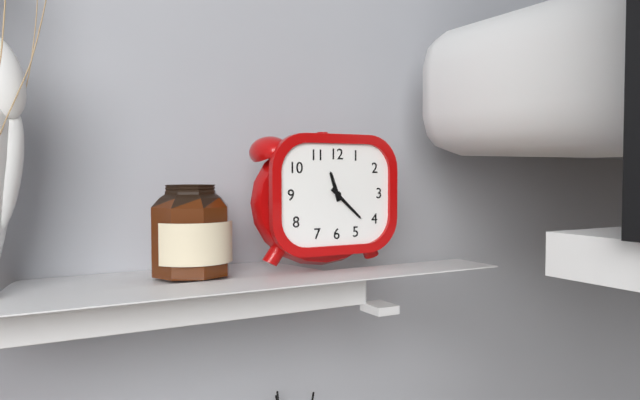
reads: 11,22
